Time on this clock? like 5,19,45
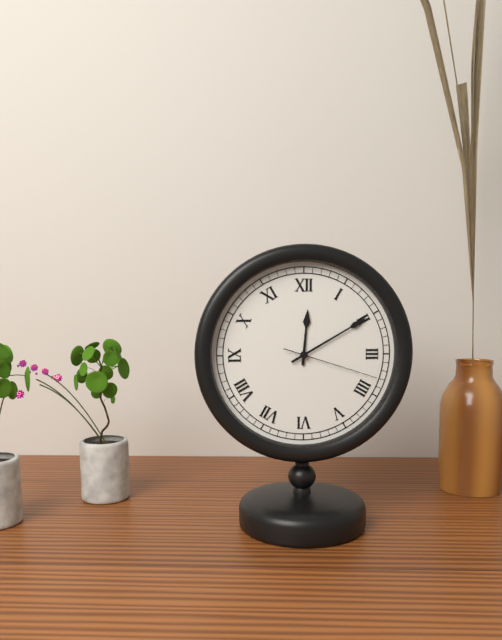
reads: 12,10,18
